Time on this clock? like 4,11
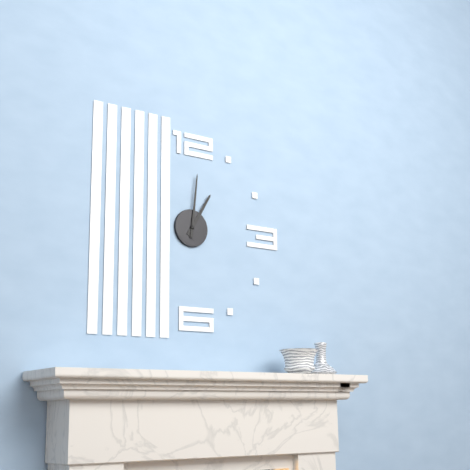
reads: 1,01
